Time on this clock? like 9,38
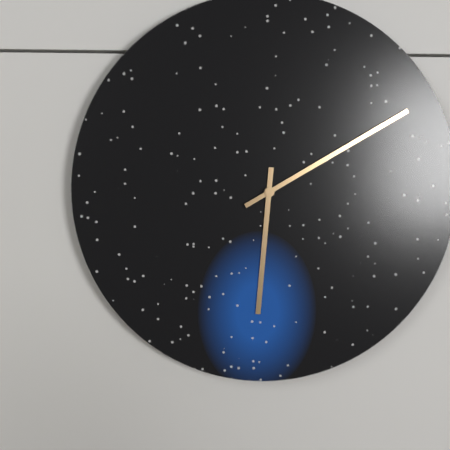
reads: 6,10
